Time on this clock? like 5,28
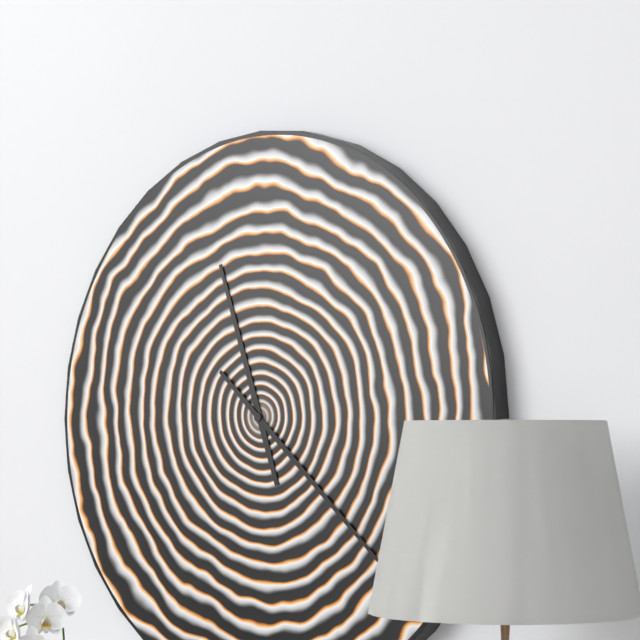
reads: 11,22
